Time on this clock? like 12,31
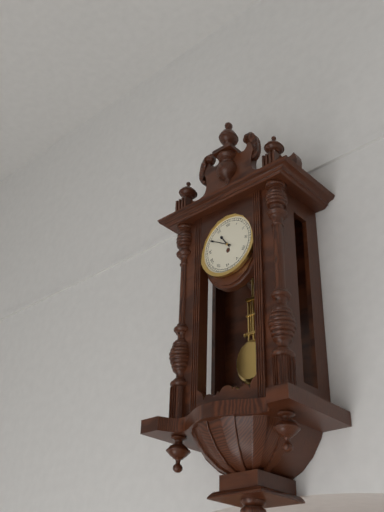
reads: 10,50
